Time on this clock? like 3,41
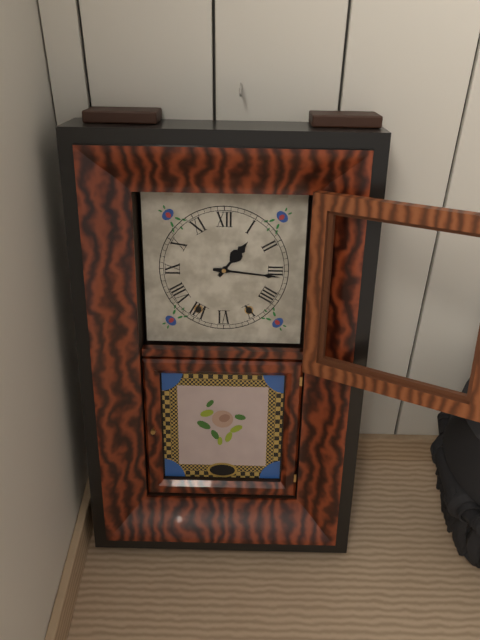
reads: 1,16
